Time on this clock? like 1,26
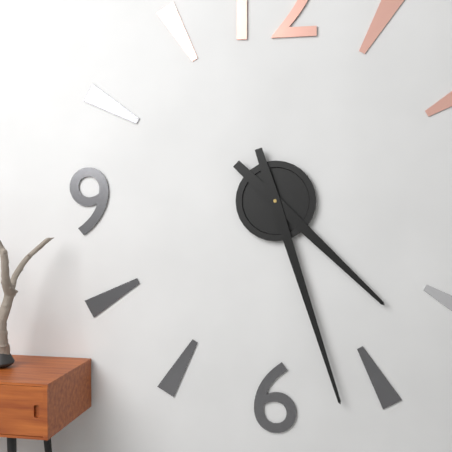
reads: 4,27
